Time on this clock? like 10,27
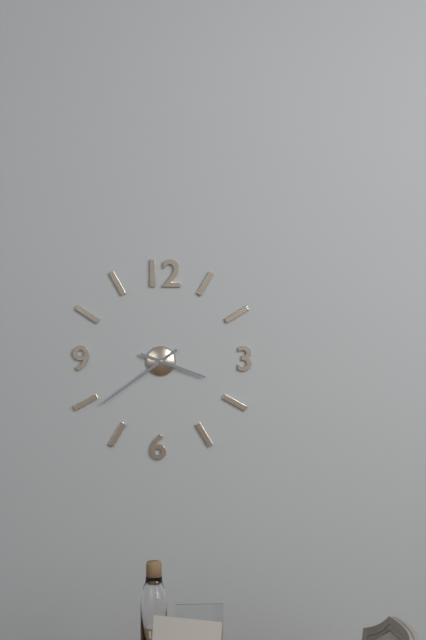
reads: 3,39
